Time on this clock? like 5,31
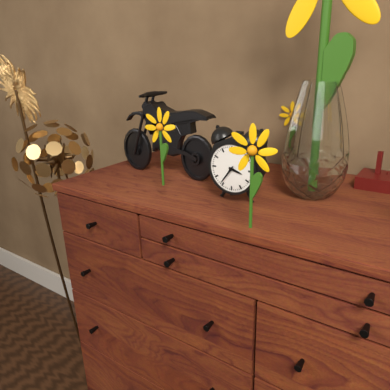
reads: 3,36
